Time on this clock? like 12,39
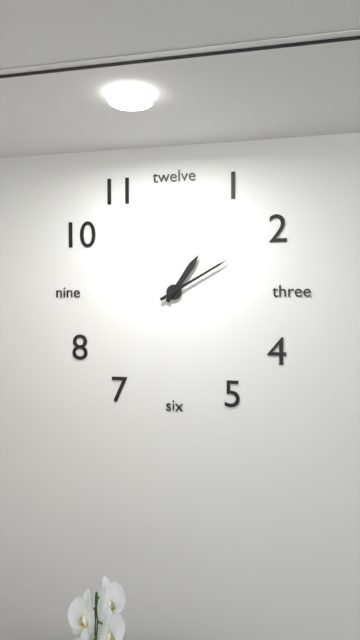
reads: 1,10
